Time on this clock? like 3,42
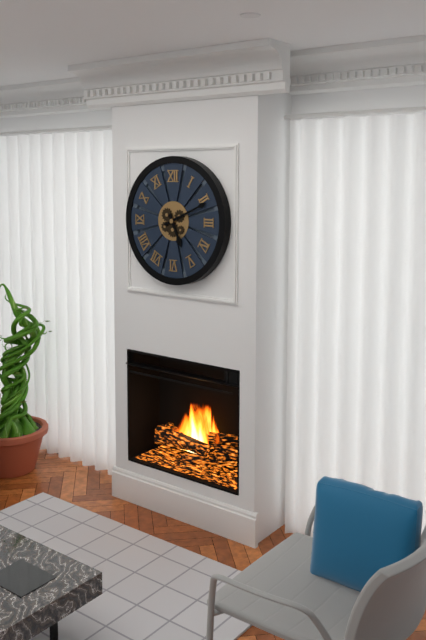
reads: 5,11
